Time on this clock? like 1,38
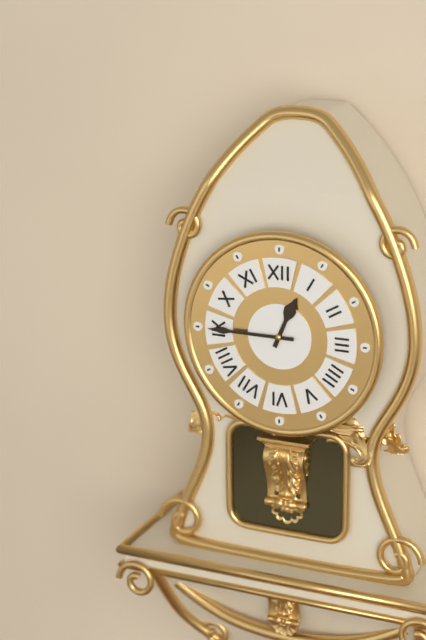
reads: 12,45
